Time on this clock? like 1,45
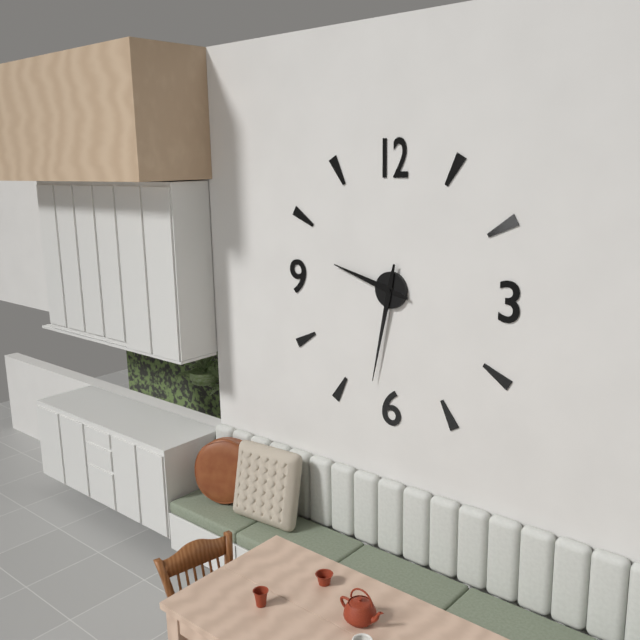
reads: 9,32
